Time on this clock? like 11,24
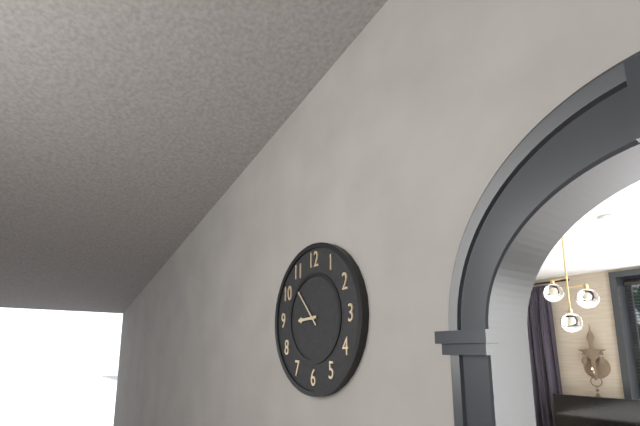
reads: 8,53
